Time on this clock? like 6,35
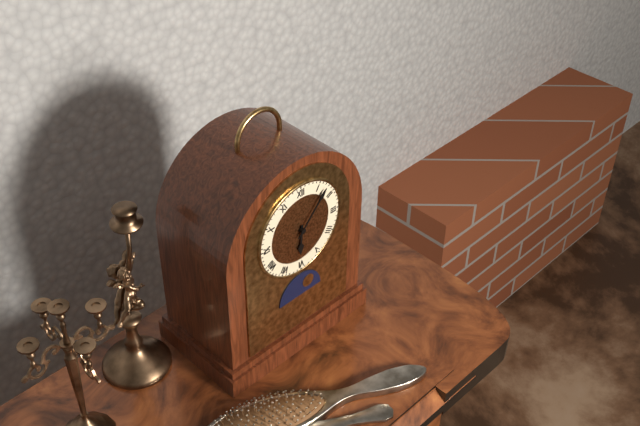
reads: 6,07
